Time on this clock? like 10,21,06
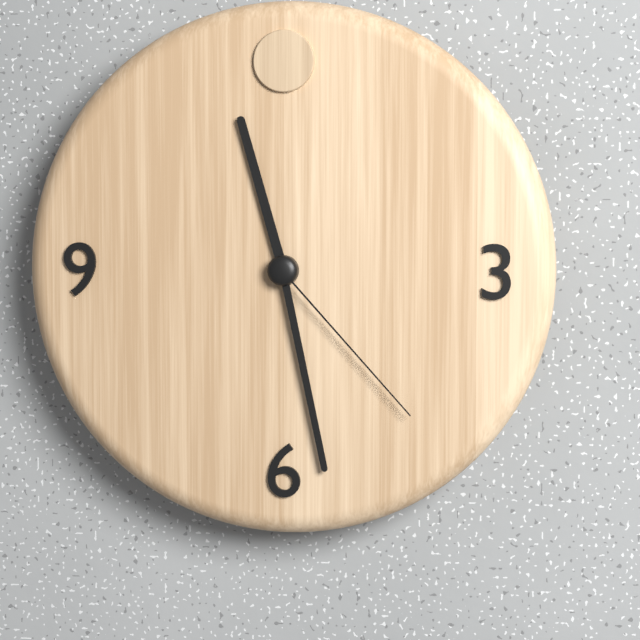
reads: 11,28,23
